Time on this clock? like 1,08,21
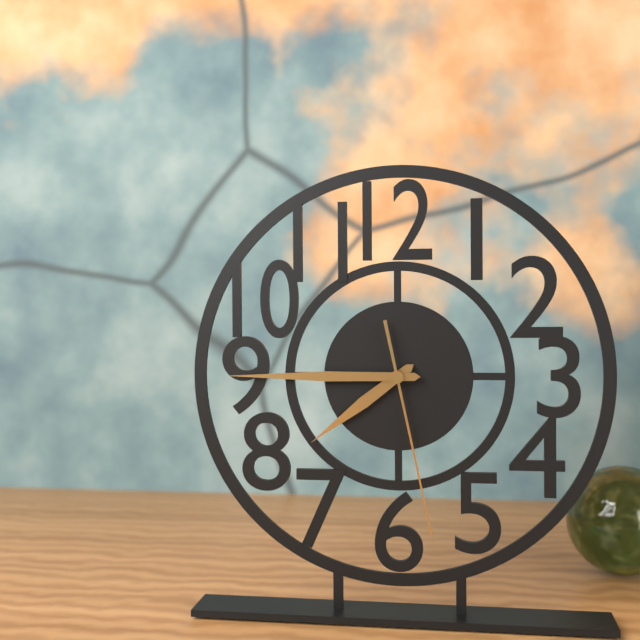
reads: 7,45,28
